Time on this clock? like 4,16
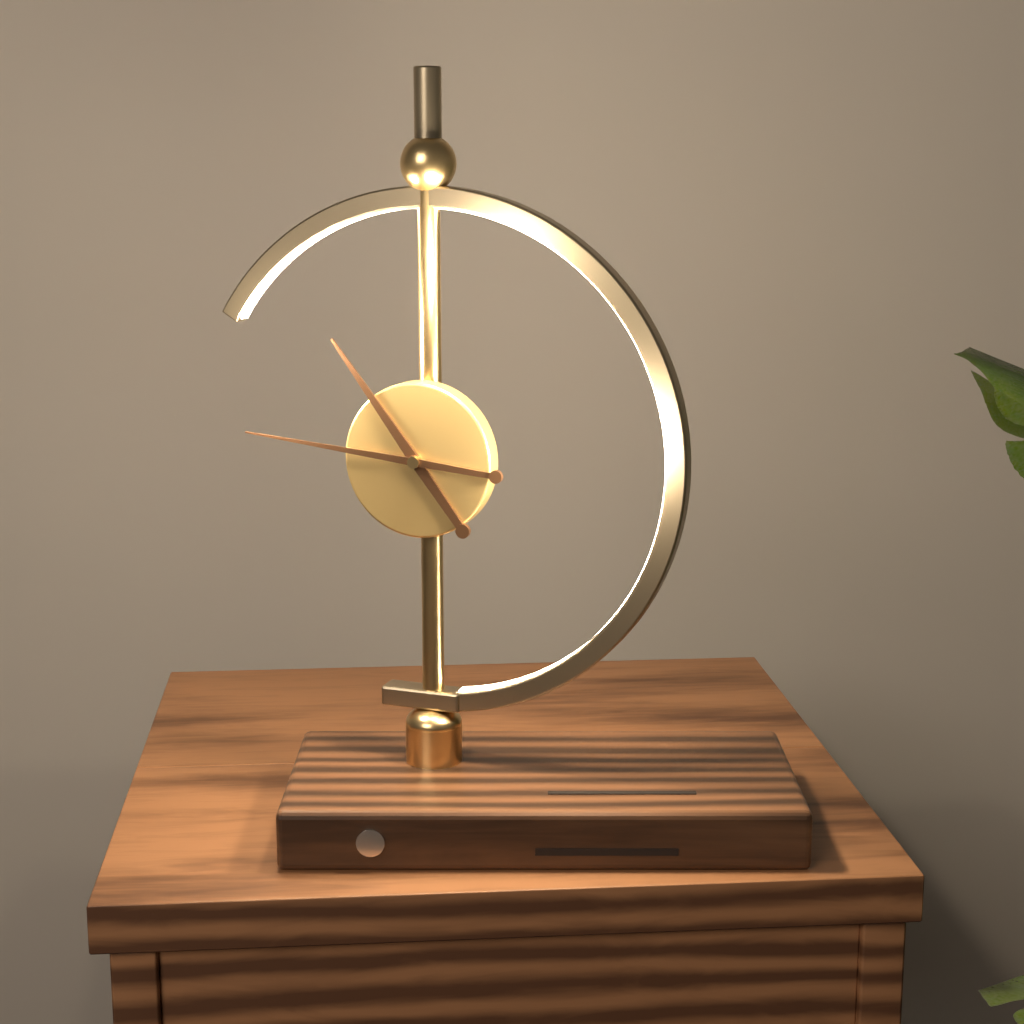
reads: 10,46
